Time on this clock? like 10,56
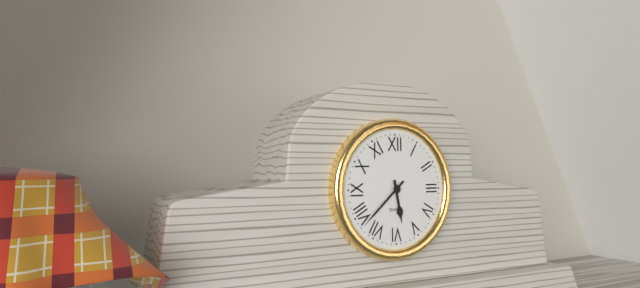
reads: 5,38
